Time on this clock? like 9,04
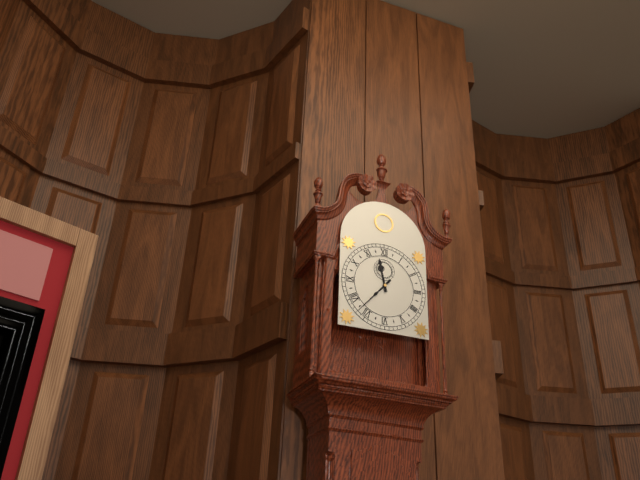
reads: 11,37
